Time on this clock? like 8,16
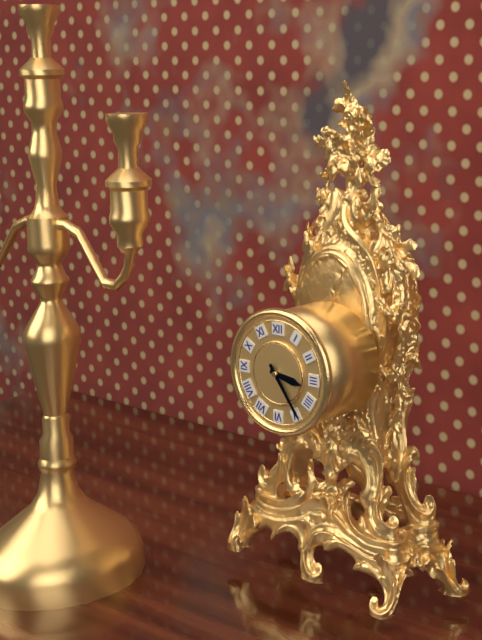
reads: 3,24
